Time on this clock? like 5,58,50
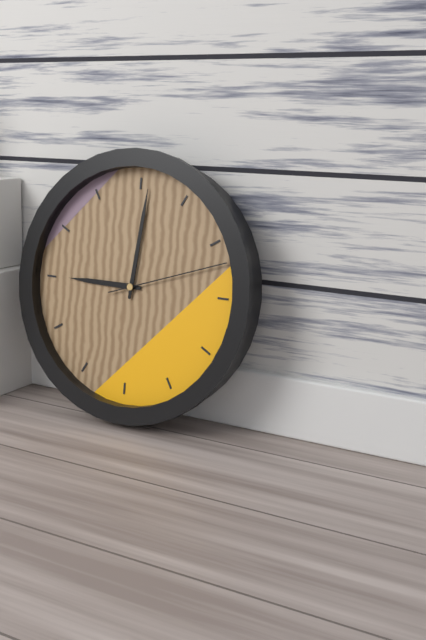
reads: 9,01,12
